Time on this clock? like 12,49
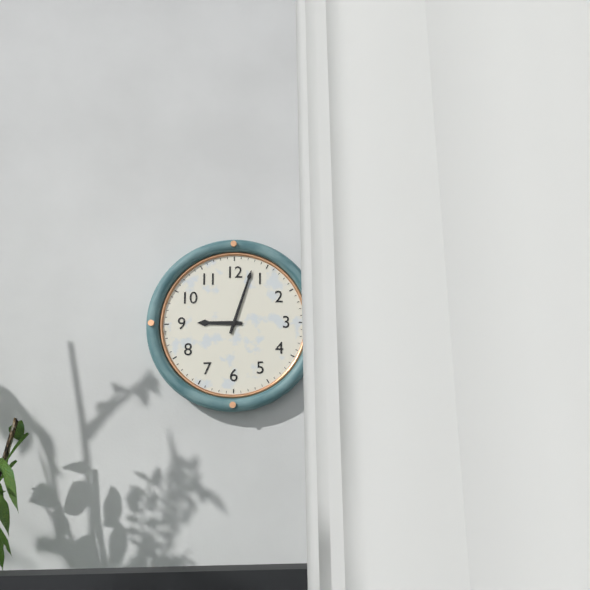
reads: 9,03
